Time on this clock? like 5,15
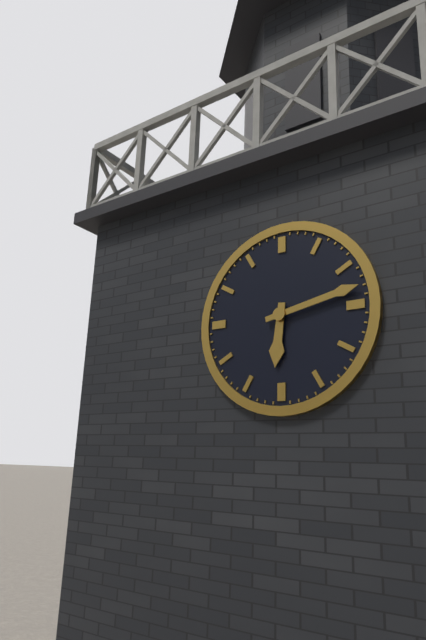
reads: 6,13
